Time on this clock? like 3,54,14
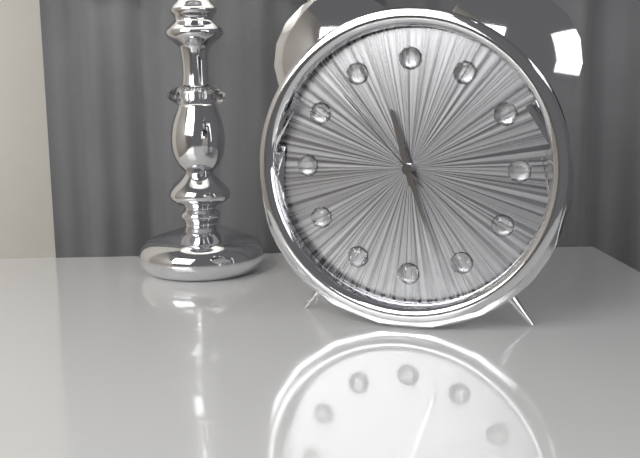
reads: 11,27,53
